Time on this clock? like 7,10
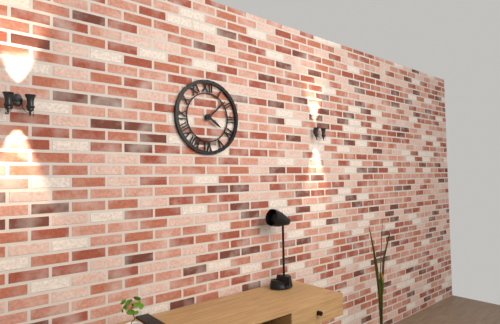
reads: 4,08
